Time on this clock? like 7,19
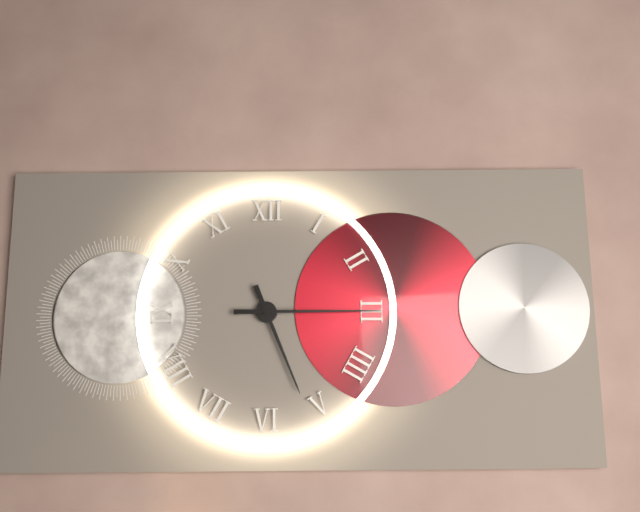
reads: 5,15
